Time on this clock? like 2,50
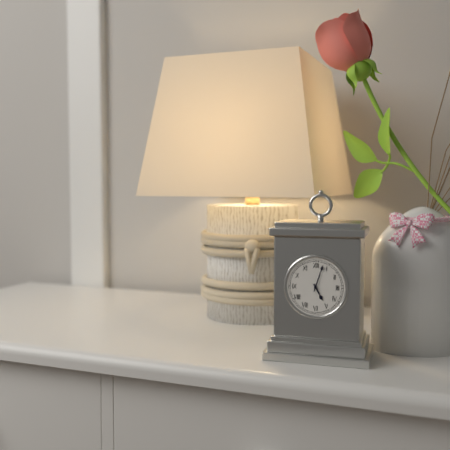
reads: 5,03
